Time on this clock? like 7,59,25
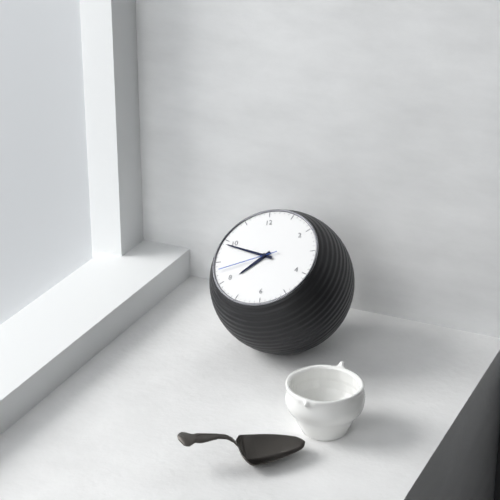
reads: 7,49,43
